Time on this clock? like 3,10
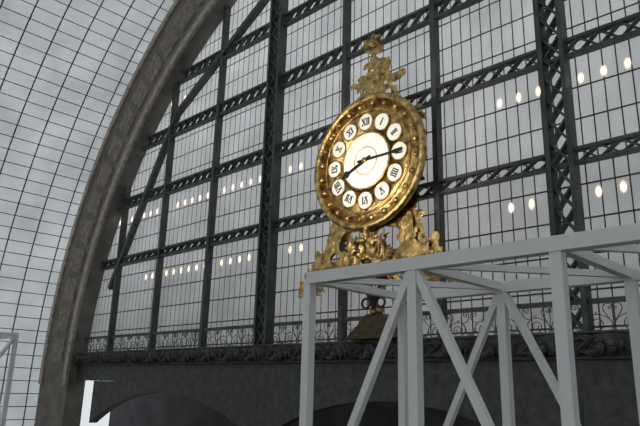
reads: 8,15
